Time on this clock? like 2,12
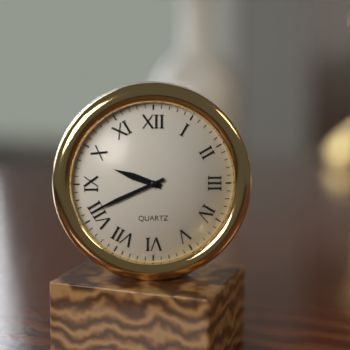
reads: 9,41
